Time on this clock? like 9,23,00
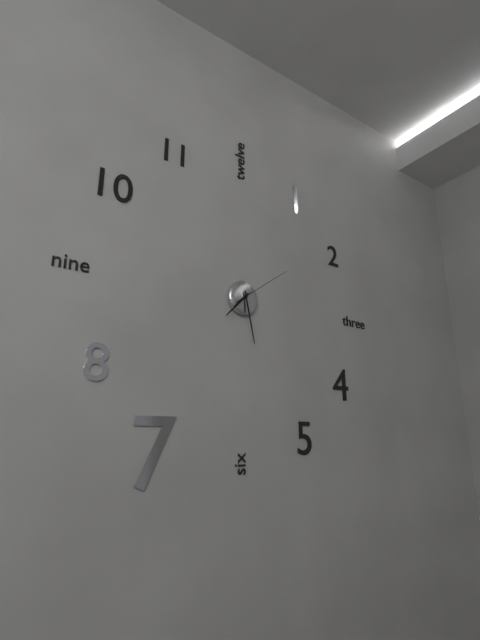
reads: 7,28,09
